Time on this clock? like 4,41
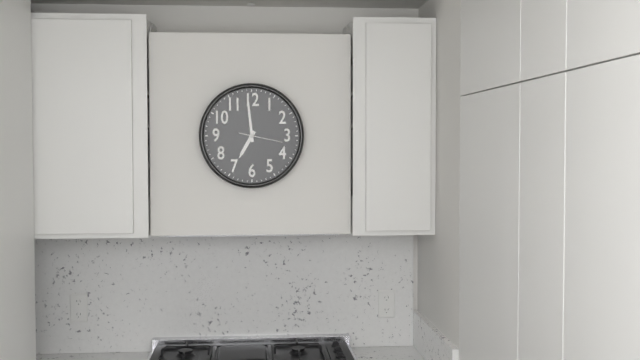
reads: 6,59
